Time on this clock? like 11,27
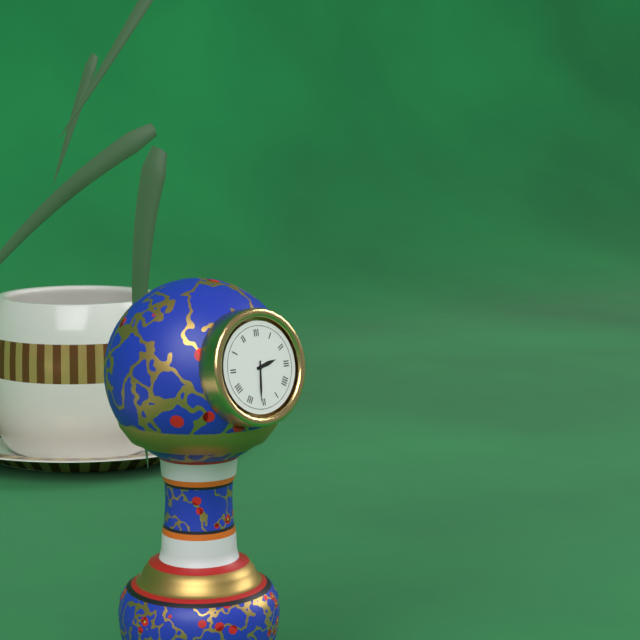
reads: 2,31
